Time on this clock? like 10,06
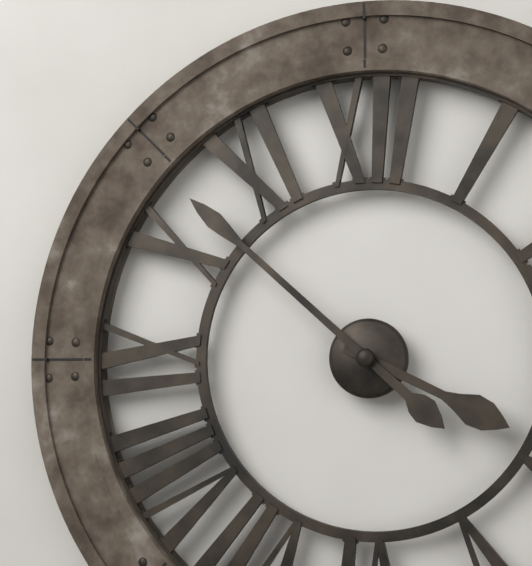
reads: 3,52
